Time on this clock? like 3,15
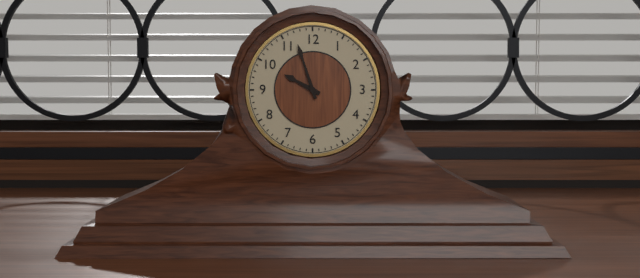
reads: 9,57
